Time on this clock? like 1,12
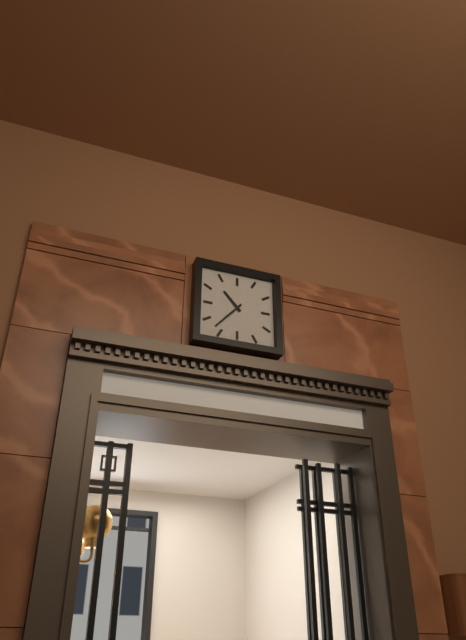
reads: 10,37
